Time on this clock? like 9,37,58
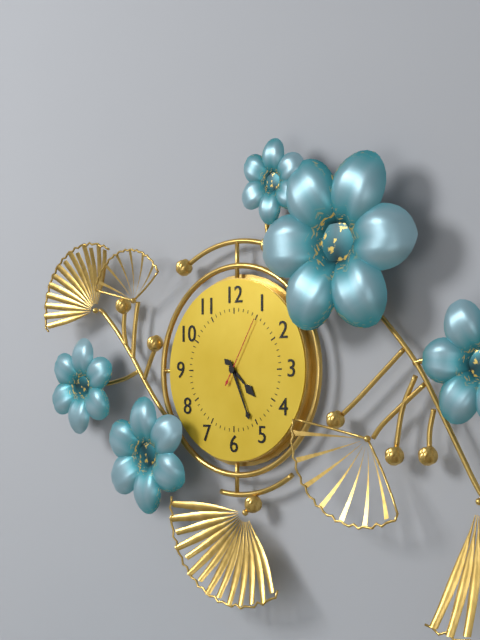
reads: 4,26,05
